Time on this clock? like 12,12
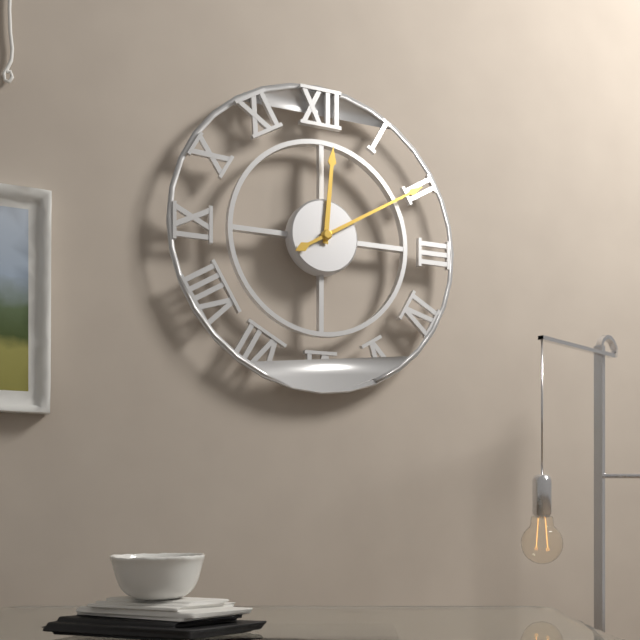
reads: 12,10
